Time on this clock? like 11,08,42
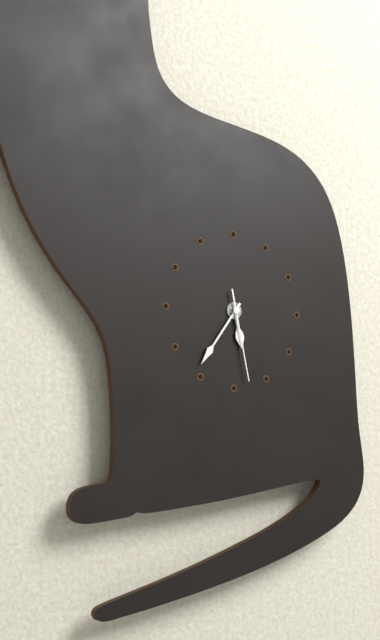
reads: 5,36,28
